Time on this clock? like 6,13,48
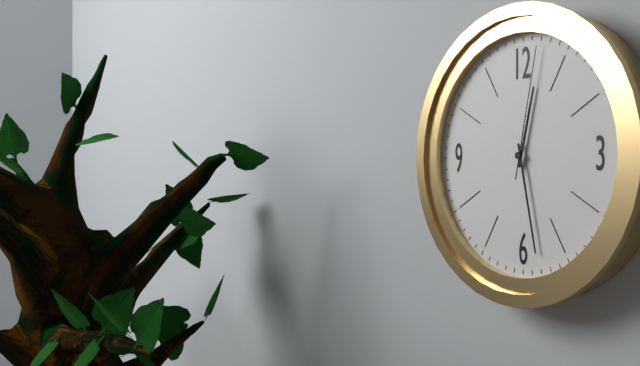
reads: 12,28,02
